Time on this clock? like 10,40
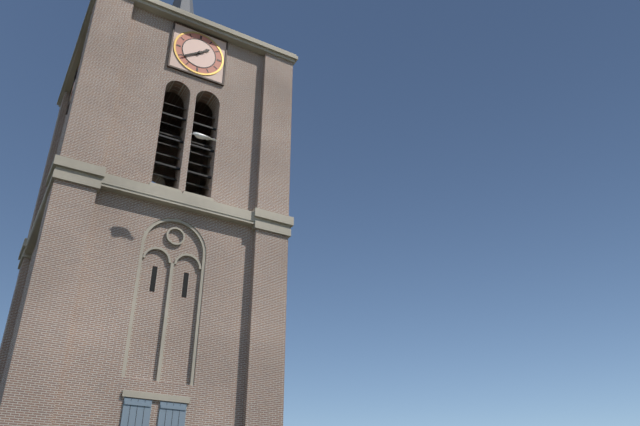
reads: 1,39
